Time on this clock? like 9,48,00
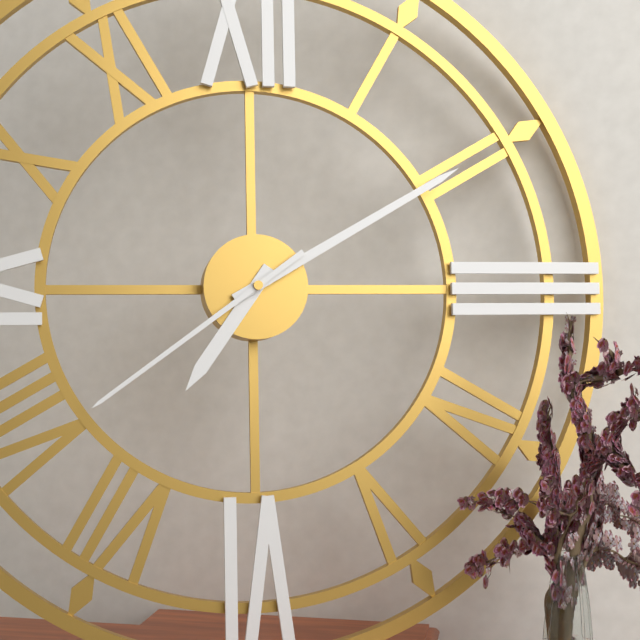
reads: 7,10,39
